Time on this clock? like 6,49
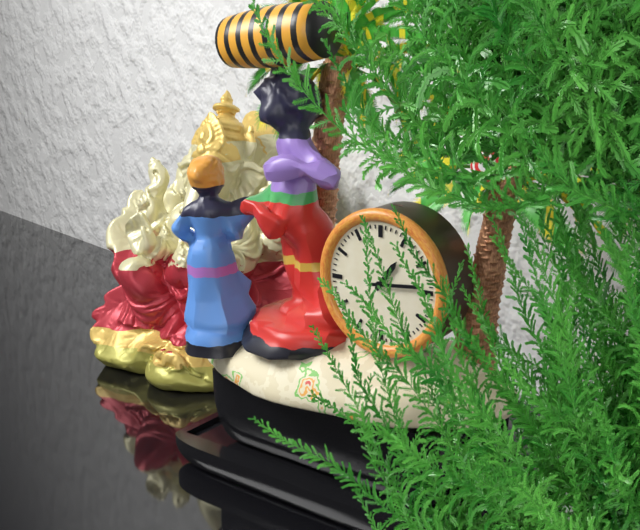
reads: 1,14
